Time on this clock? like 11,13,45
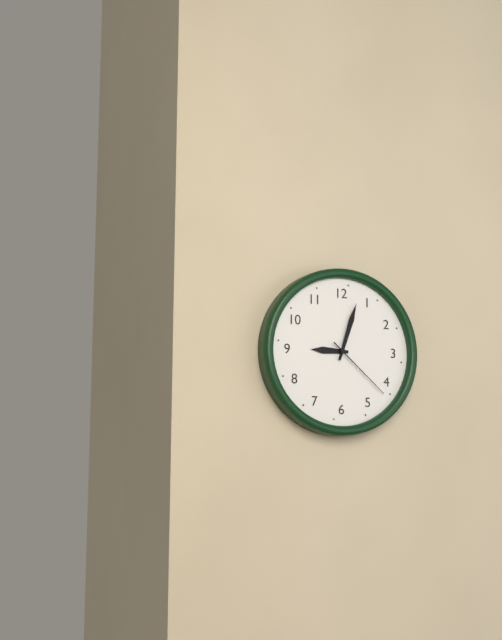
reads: 9,03,22
